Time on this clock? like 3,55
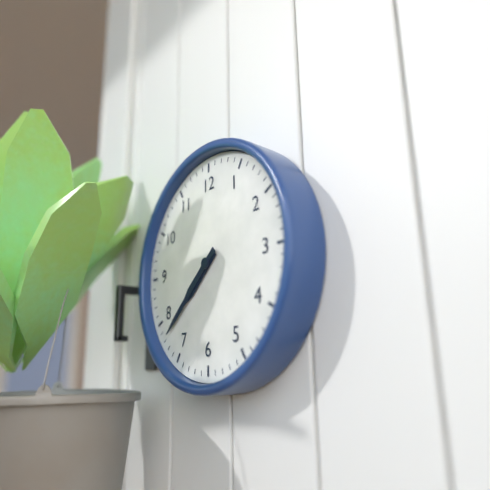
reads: 7,38
